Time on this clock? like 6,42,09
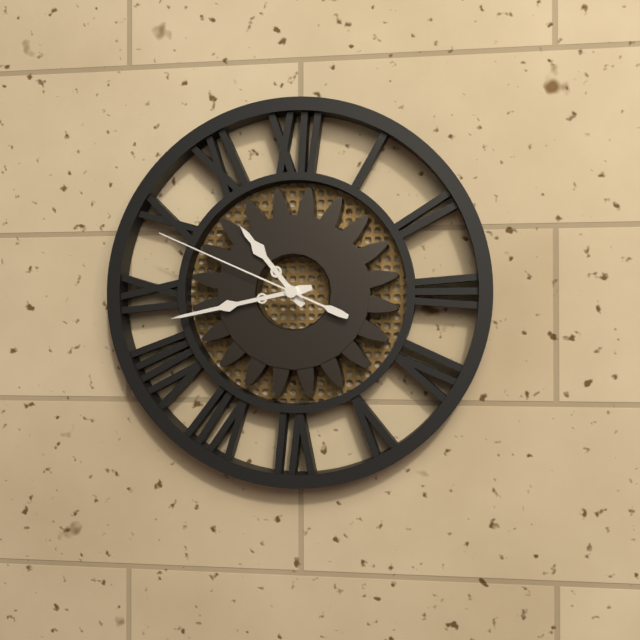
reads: 10,43,49
